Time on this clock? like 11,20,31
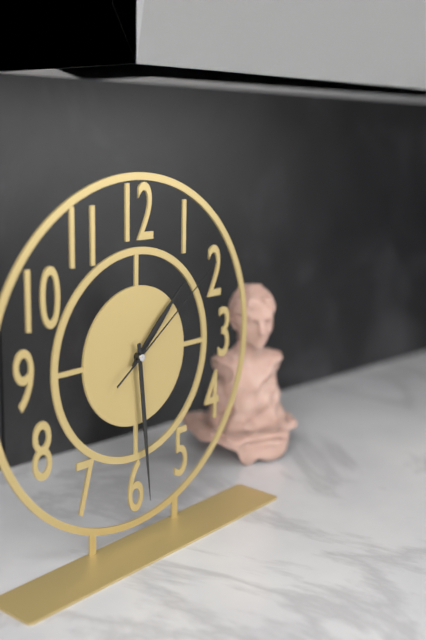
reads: 1,29,09
